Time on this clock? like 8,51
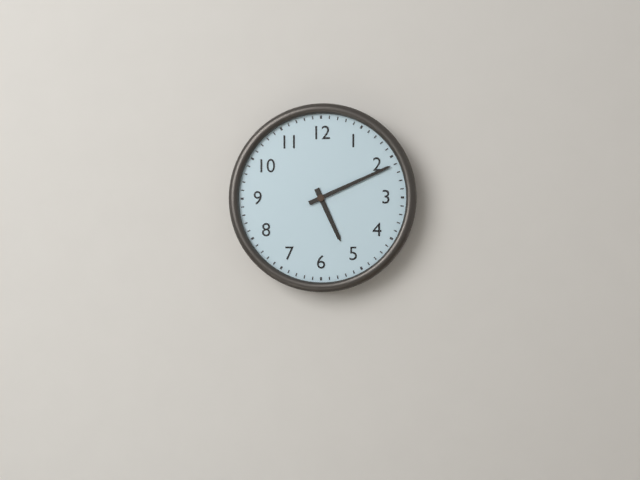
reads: 5,11
